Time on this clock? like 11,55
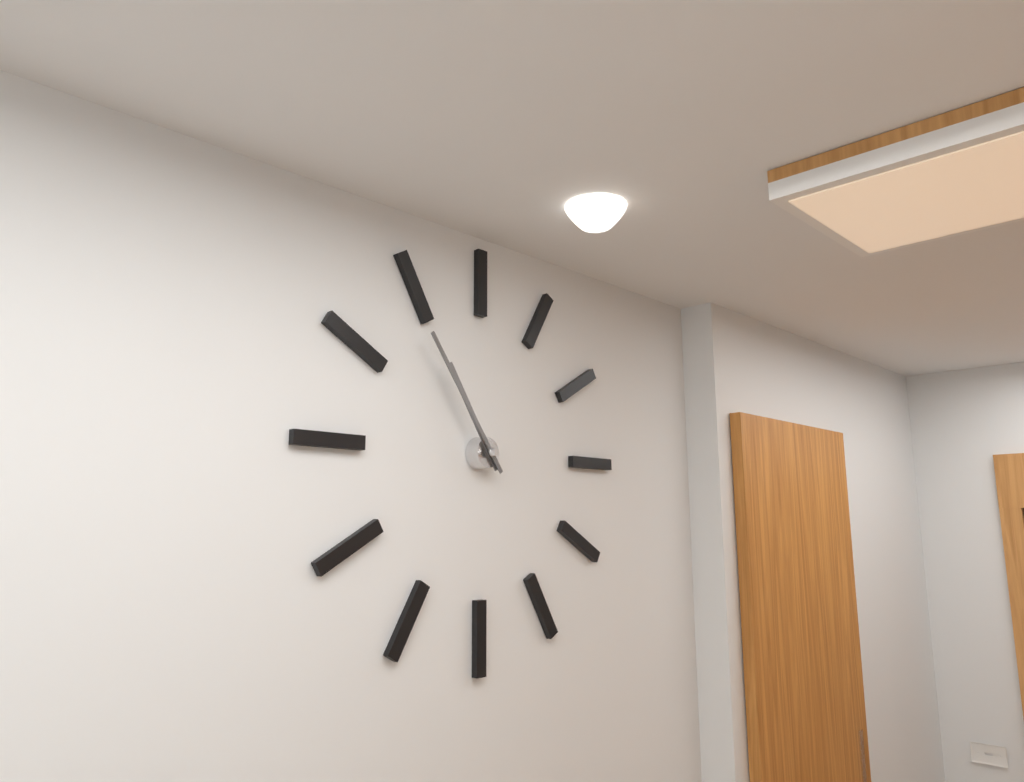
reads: 10,54
